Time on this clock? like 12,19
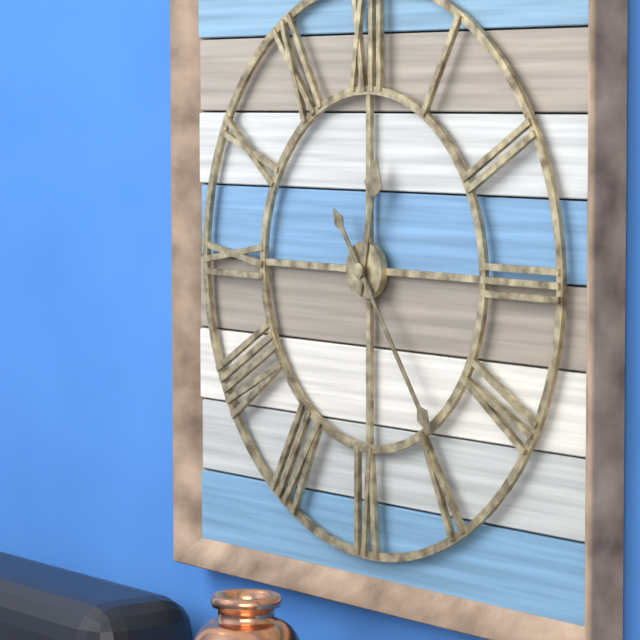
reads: 12,24
